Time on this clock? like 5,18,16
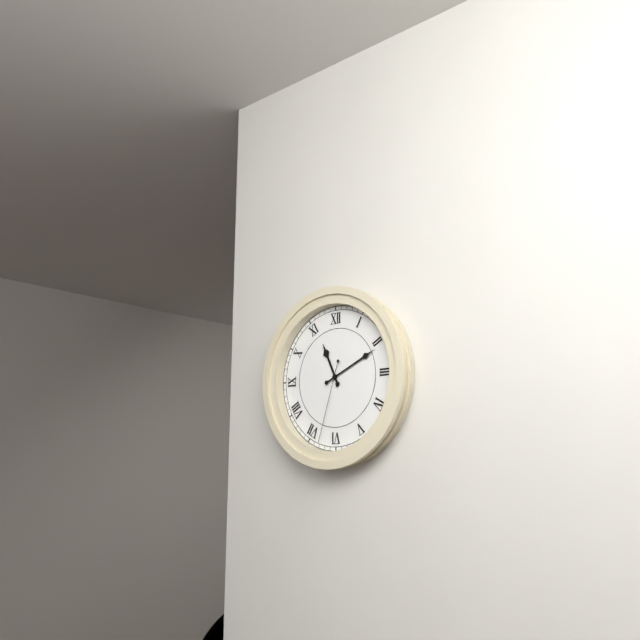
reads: 11,11,33
